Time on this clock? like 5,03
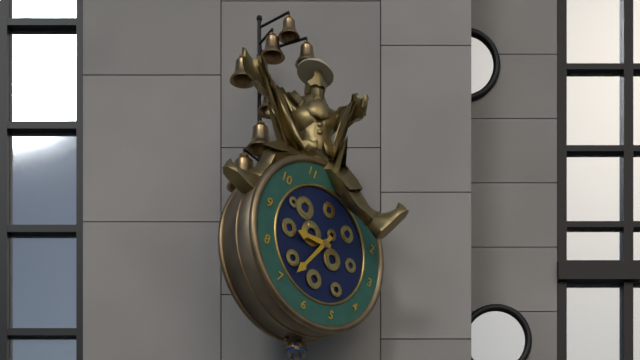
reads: 8,34
